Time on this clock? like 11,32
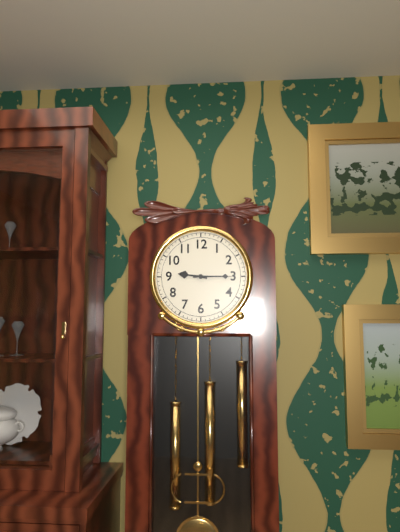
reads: 9,15
